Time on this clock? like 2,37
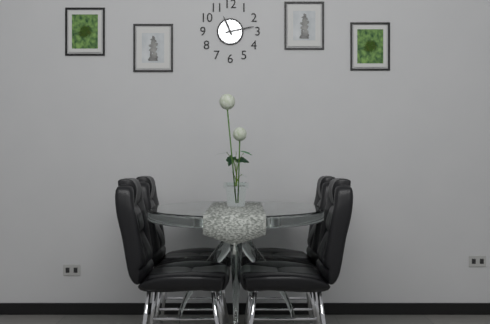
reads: 11,13
